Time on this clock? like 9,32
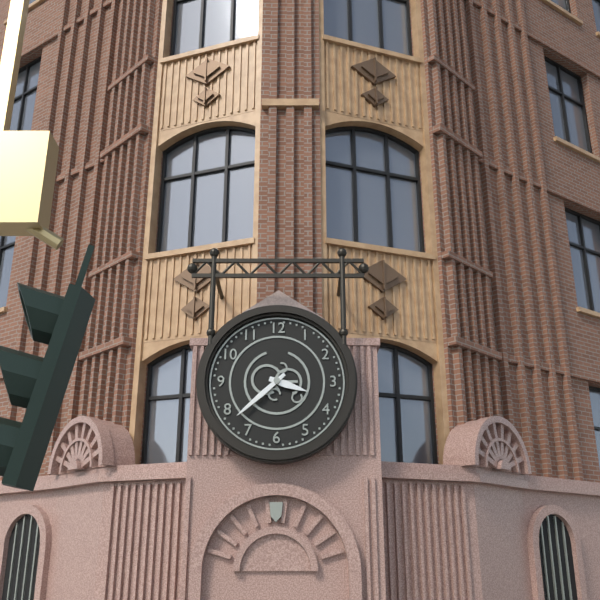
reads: 3,38
